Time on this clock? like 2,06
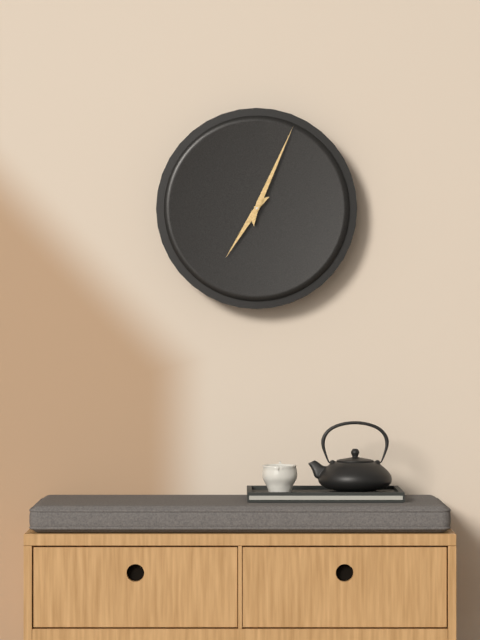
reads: 7,04
